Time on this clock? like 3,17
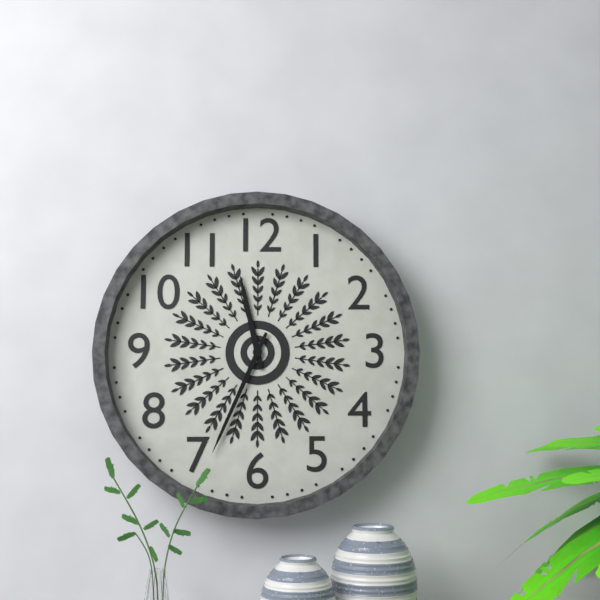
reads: 11,34
